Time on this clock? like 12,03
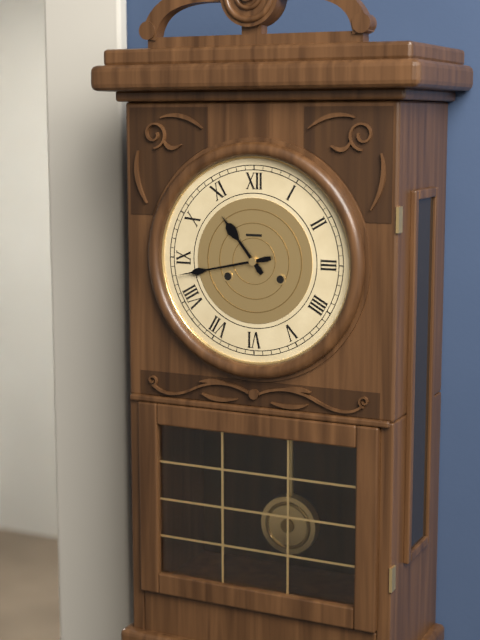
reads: 10,43
